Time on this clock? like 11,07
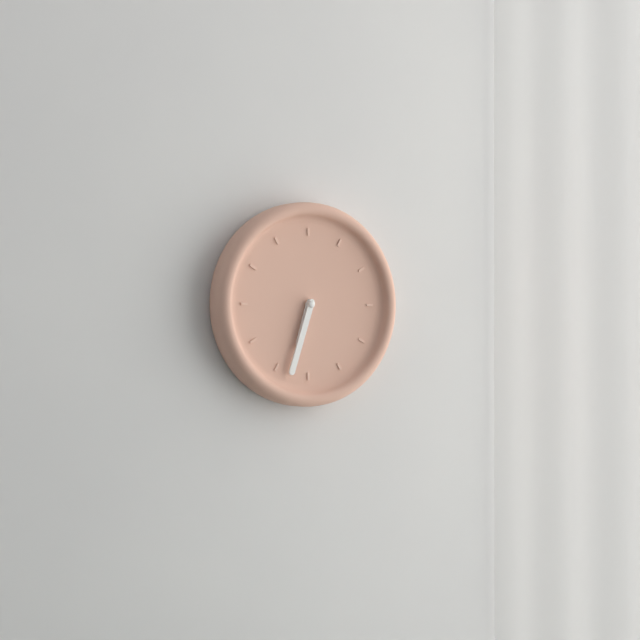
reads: 6,33
